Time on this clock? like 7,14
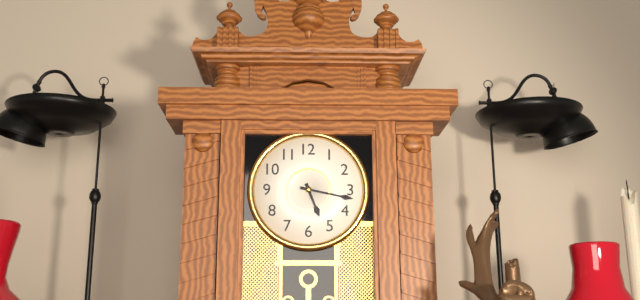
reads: 5,17
